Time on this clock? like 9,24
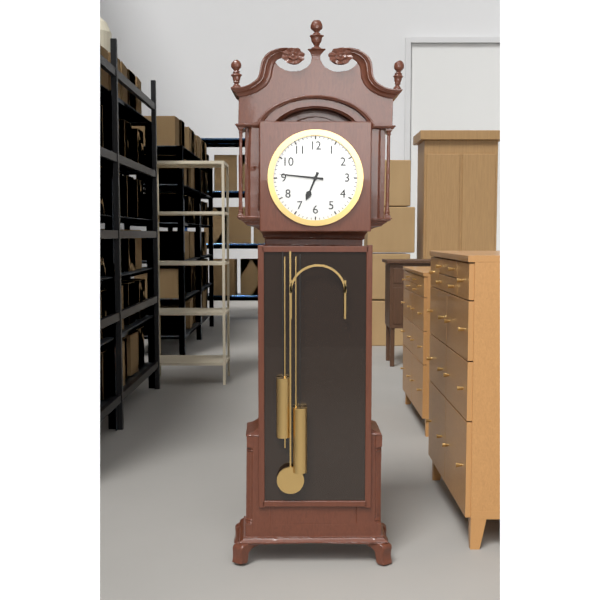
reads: 6,46
